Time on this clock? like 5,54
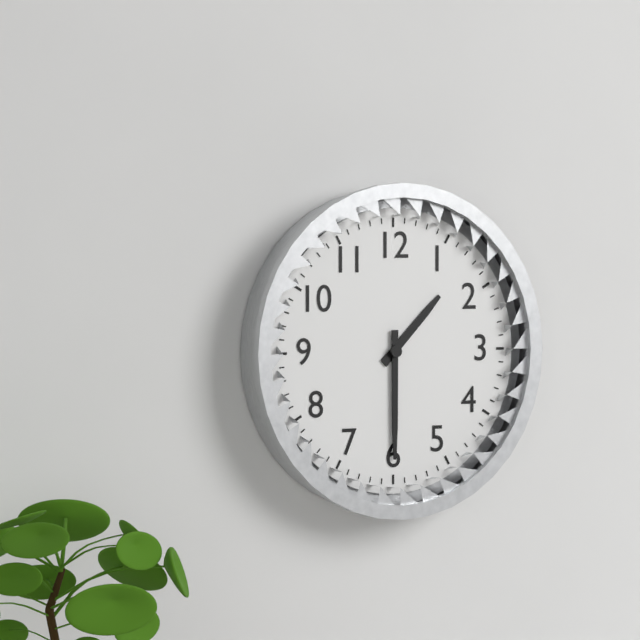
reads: 1,30
